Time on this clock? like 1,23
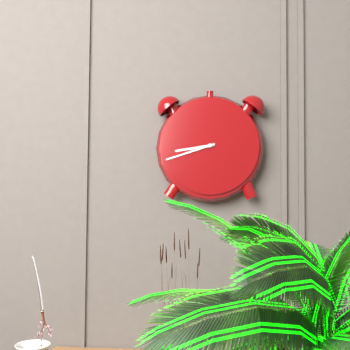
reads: 8,42
